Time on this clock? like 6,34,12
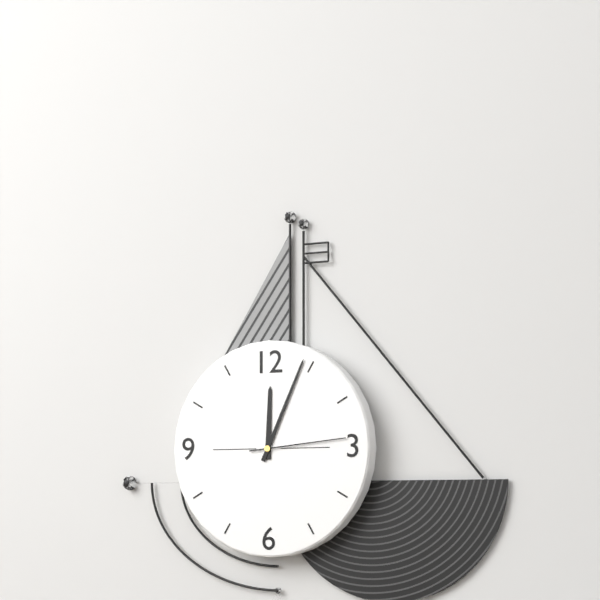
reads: 12,04,14
